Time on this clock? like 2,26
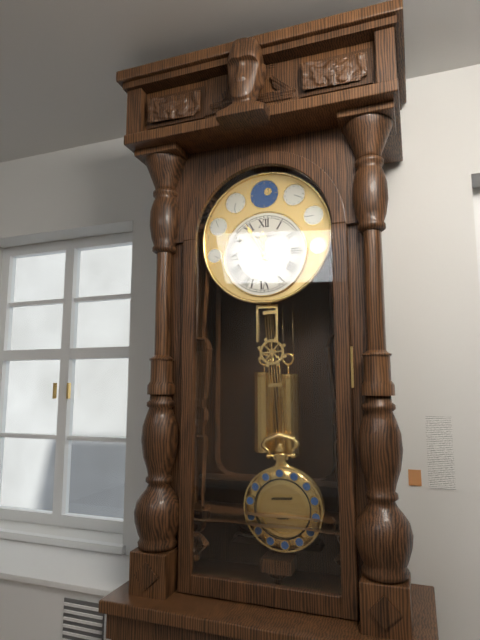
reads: 11,55
